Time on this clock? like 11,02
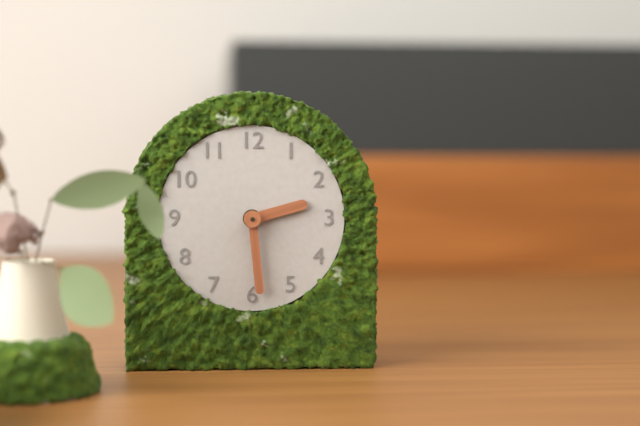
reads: 2,29
